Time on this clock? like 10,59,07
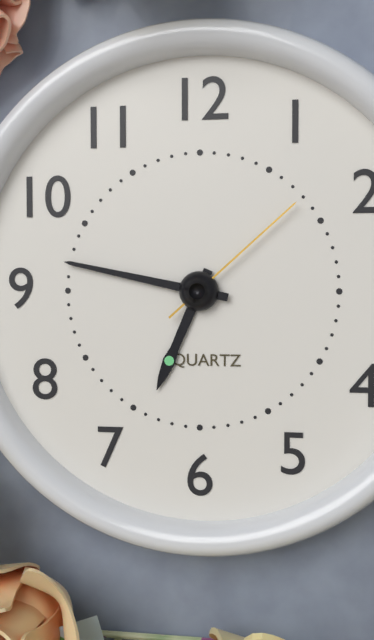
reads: 6,47,08
